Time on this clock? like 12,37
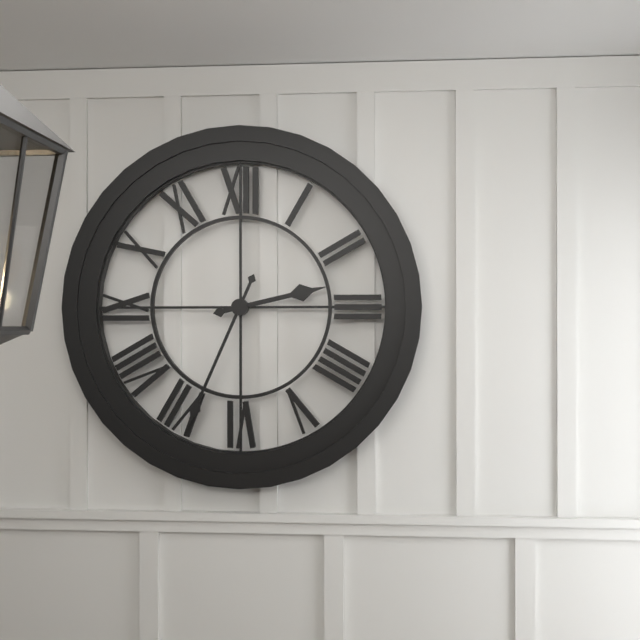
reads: 2,34
